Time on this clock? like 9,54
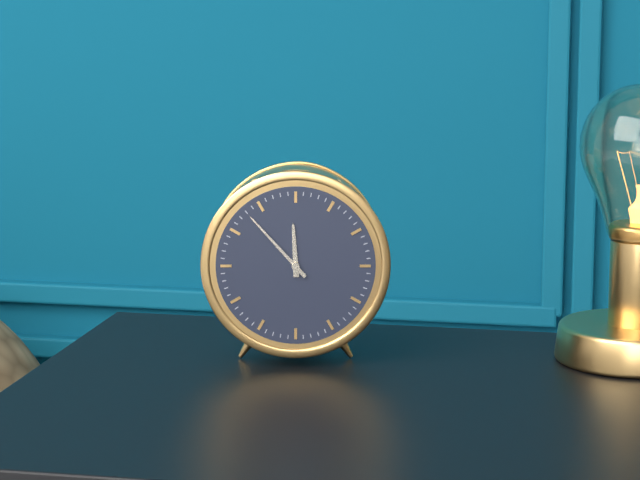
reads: 11,53
